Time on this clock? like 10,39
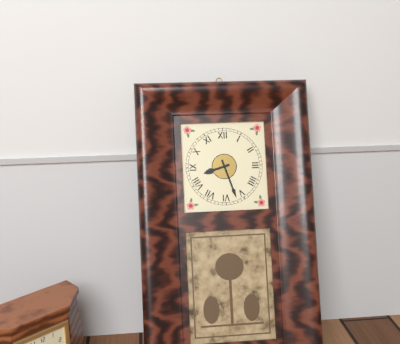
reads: 8,27
